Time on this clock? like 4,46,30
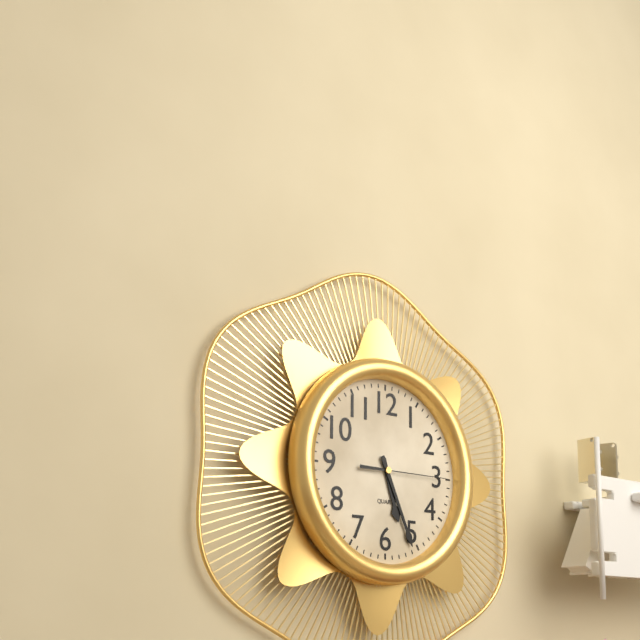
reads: 5,26,15
